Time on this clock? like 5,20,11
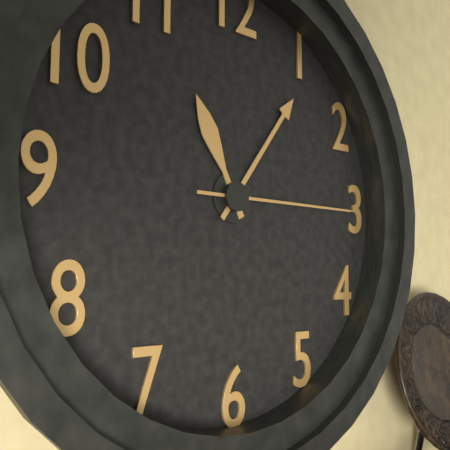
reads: 11,06,15
